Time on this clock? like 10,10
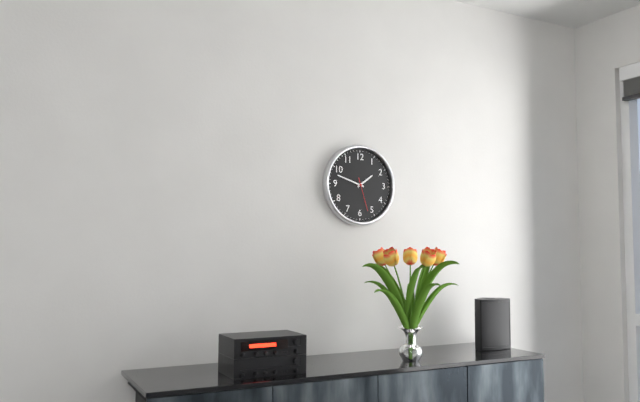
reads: 1,48
